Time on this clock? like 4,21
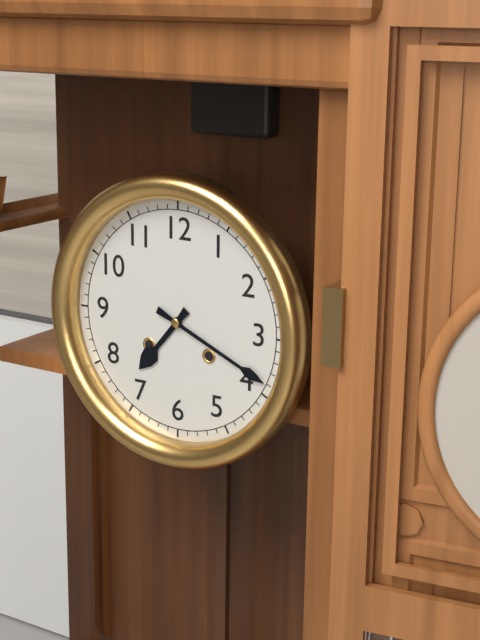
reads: 7,19
